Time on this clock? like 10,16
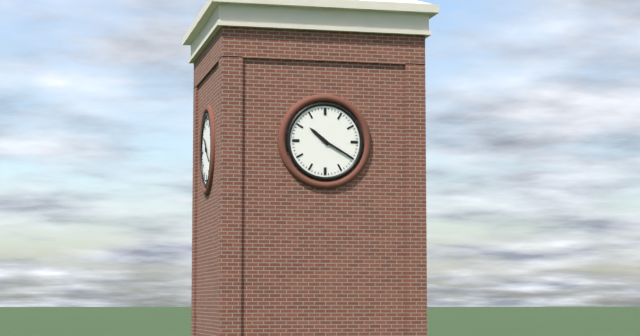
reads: 10,20
